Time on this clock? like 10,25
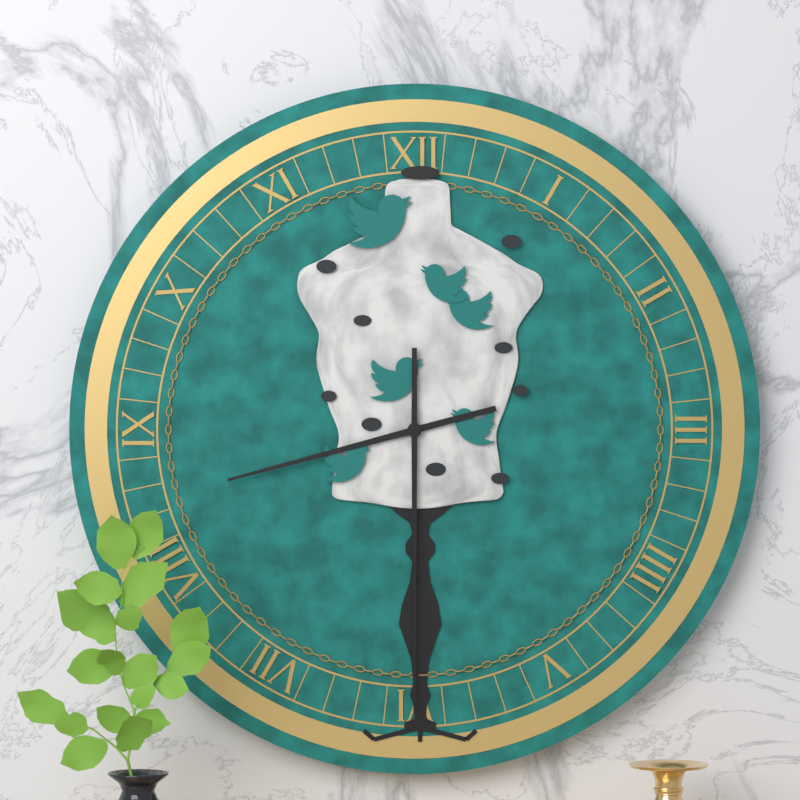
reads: 8,30
